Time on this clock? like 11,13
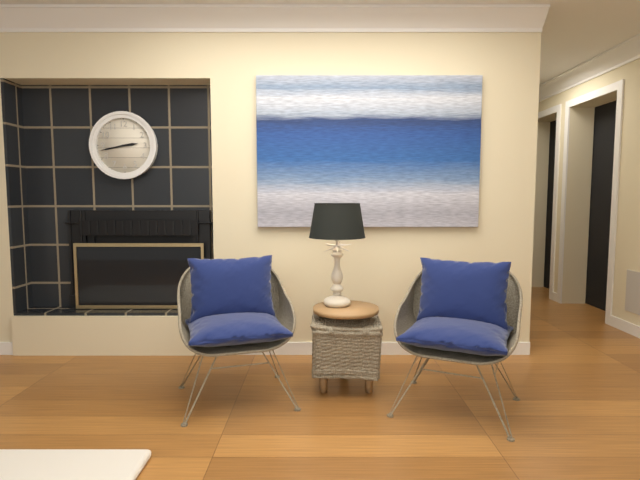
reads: 2,43
